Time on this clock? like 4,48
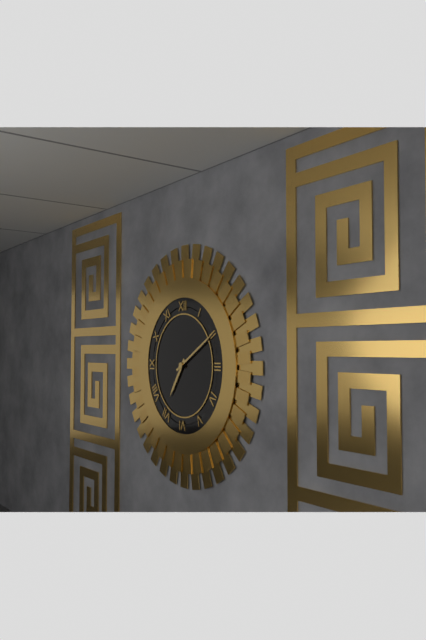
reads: 7,10
